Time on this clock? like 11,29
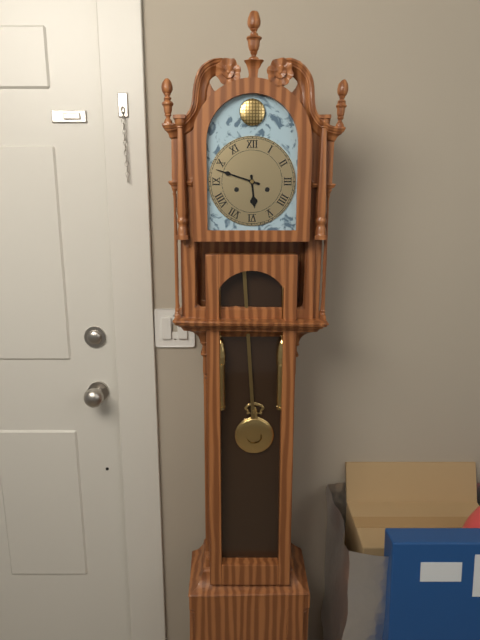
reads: 5,48
